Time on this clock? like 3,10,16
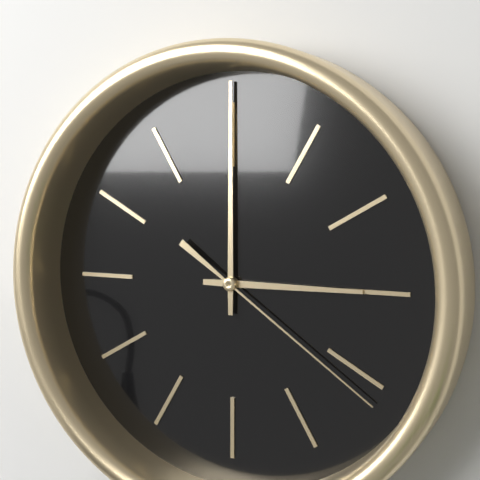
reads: 3,00,21
